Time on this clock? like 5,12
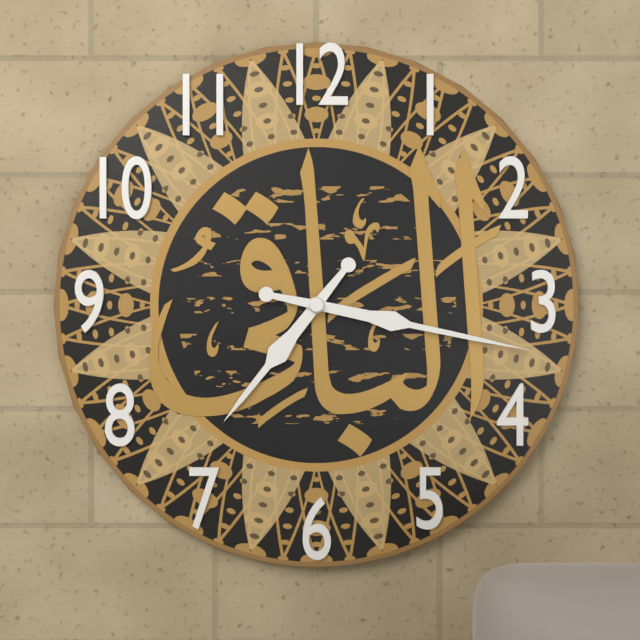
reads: 7,17
